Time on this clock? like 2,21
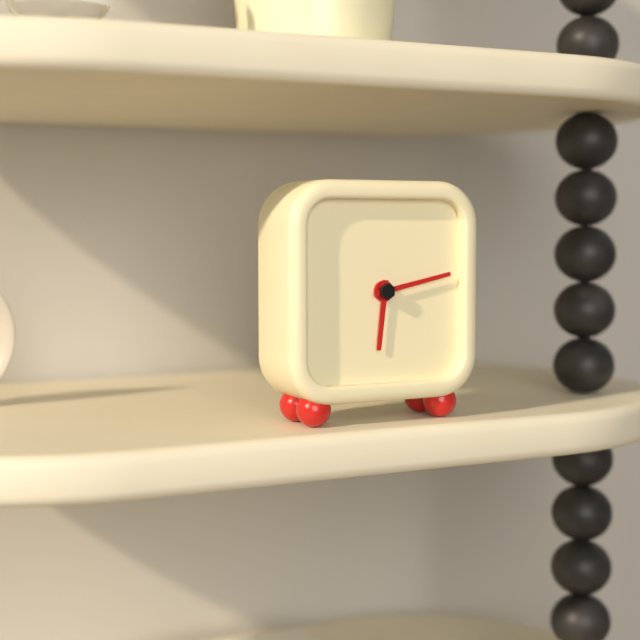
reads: 6,13
